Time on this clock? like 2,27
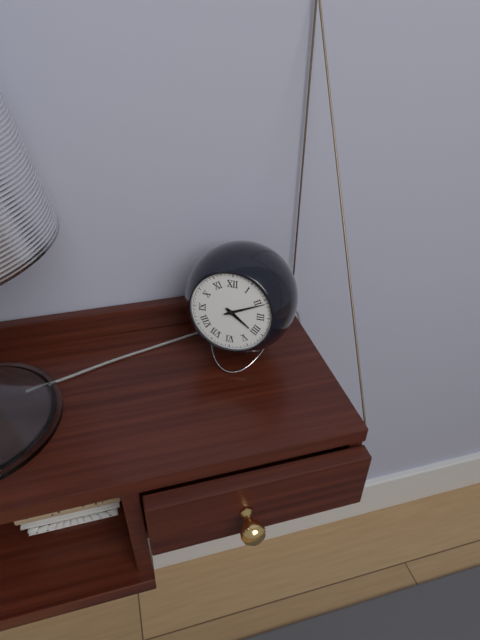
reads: 4,11
